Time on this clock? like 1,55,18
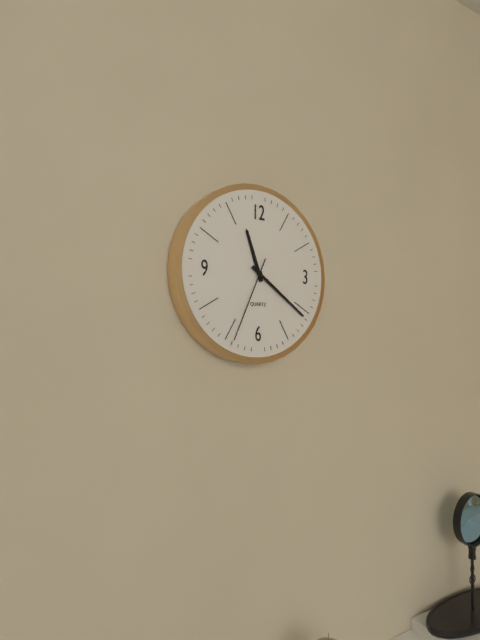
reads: 11,21,34
